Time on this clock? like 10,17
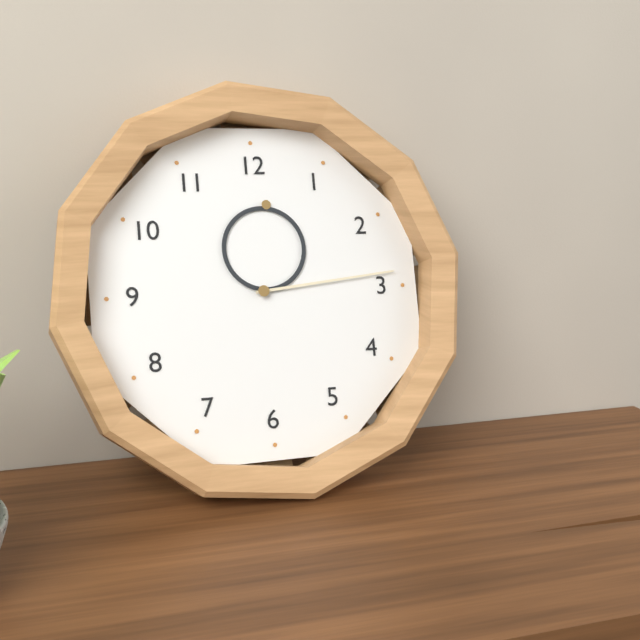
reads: 12,14
